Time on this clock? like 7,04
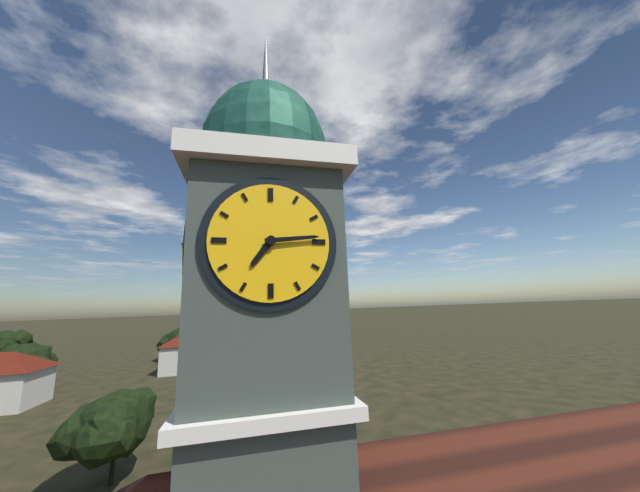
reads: 7,14
